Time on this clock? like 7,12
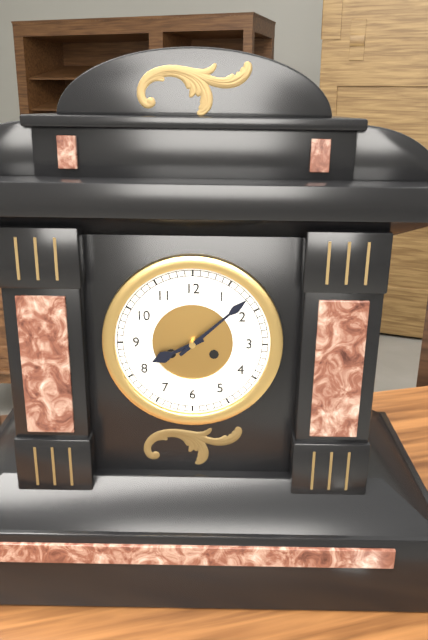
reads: 8,08
